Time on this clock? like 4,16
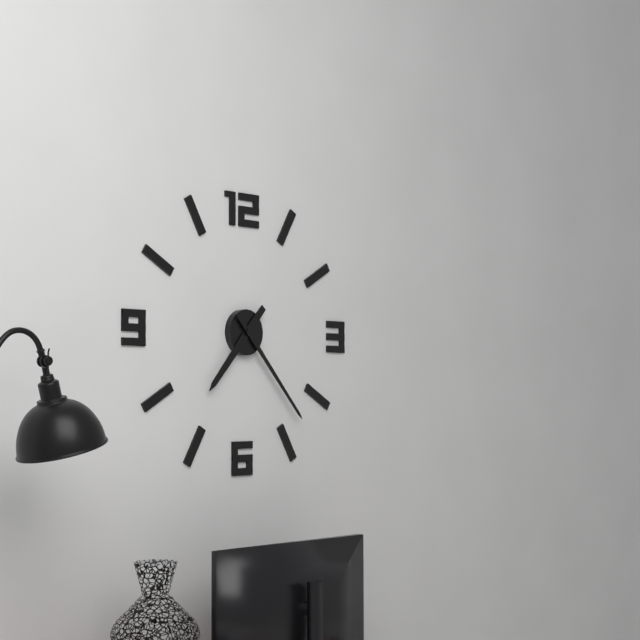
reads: 7,23
